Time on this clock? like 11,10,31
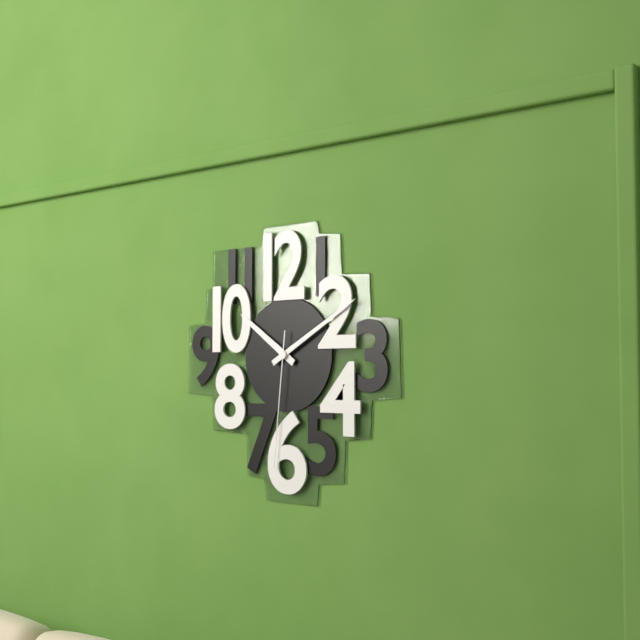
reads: 10,10,31
